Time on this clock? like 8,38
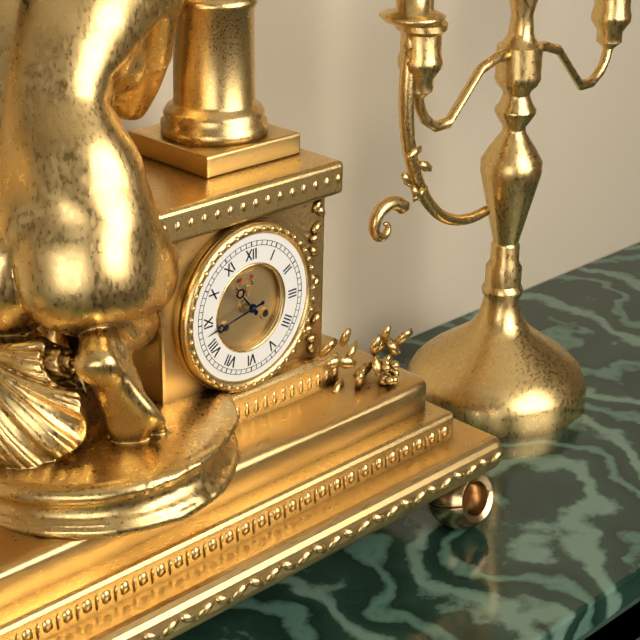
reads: 10,43
